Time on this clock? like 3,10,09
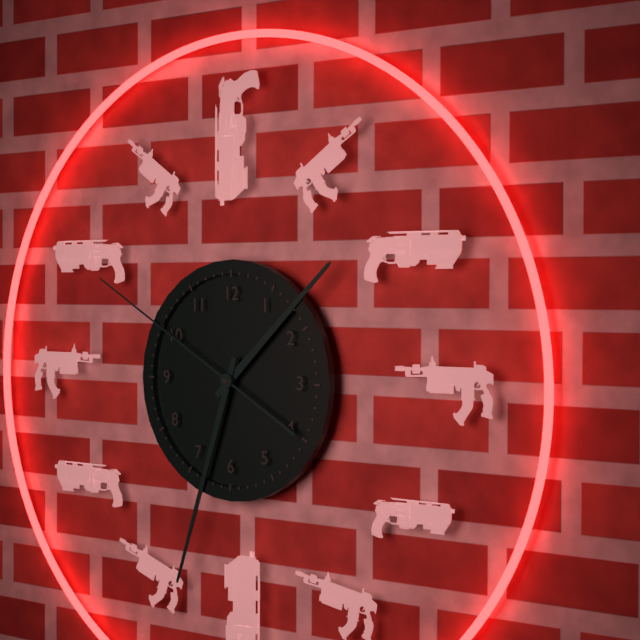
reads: 1,33,50
